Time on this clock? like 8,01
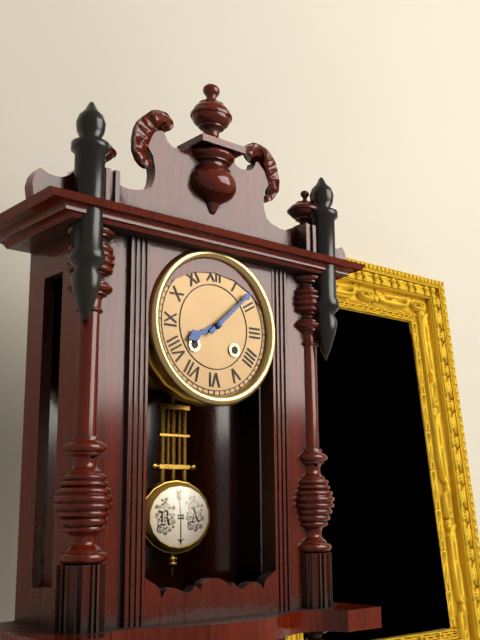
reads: 8,08
